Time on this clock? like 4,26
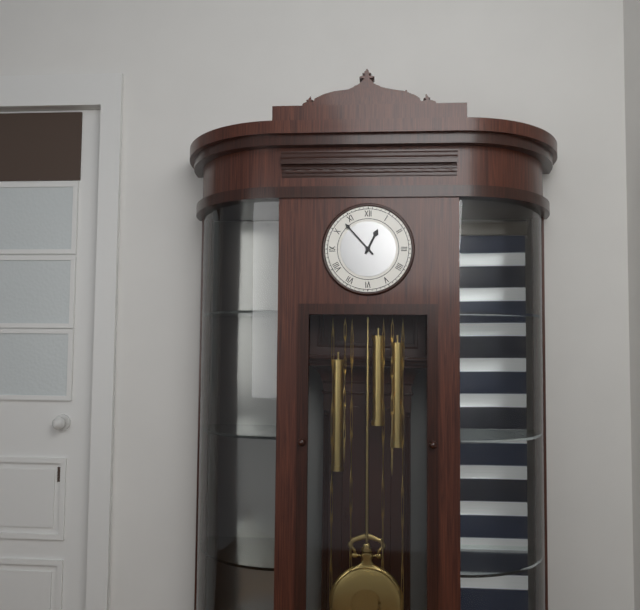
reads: 12,53
